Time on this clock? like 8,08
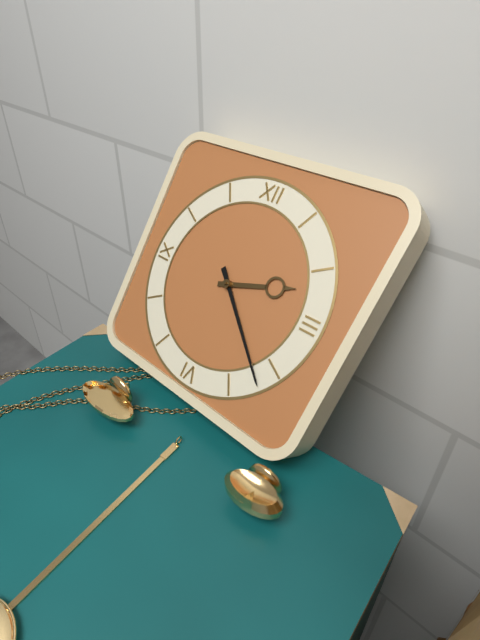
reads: 2,22
